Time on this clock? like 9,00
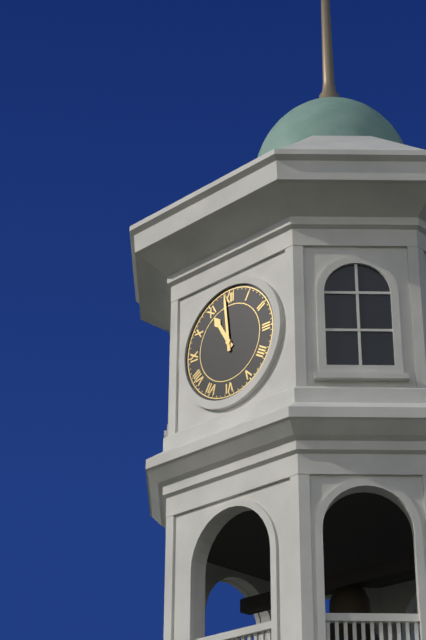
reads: 10,59
